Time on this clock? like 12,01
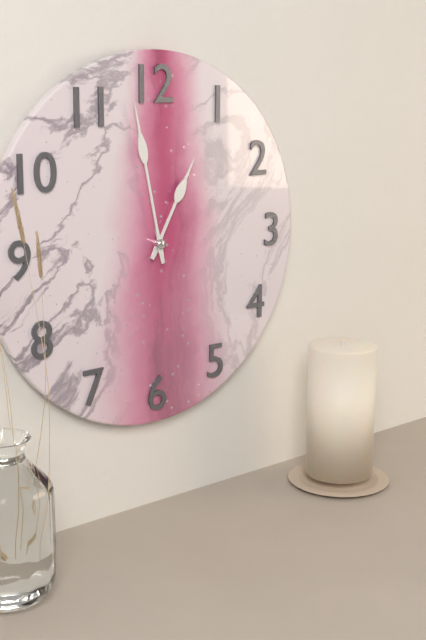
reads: 12,58
